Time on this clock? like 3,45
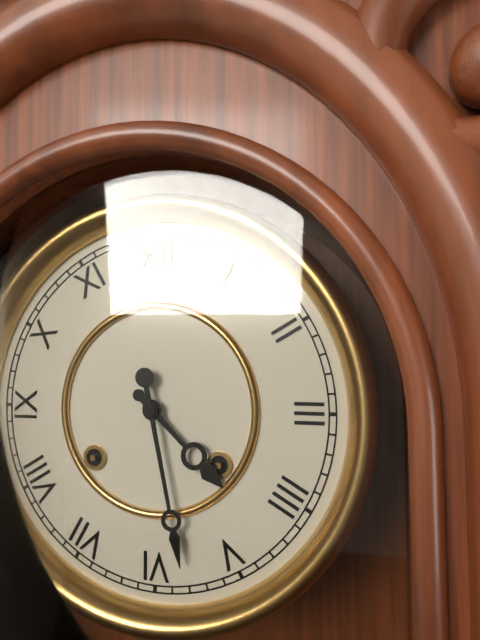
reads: 4,28
